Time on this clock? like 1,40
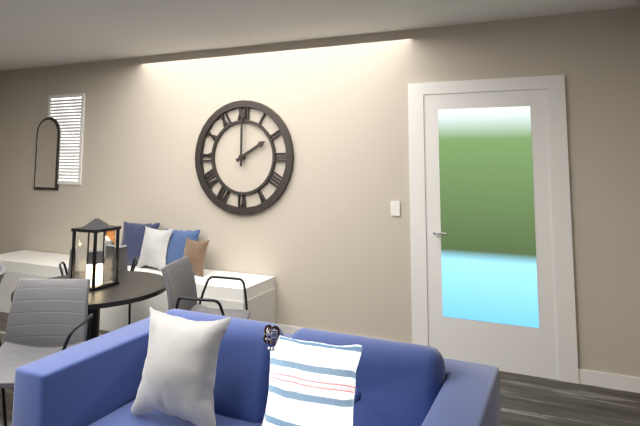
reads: 2,00
